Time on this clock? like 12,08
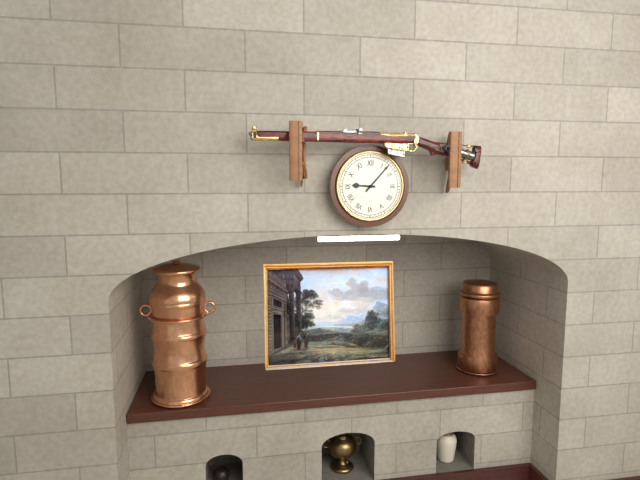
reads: 9,07
